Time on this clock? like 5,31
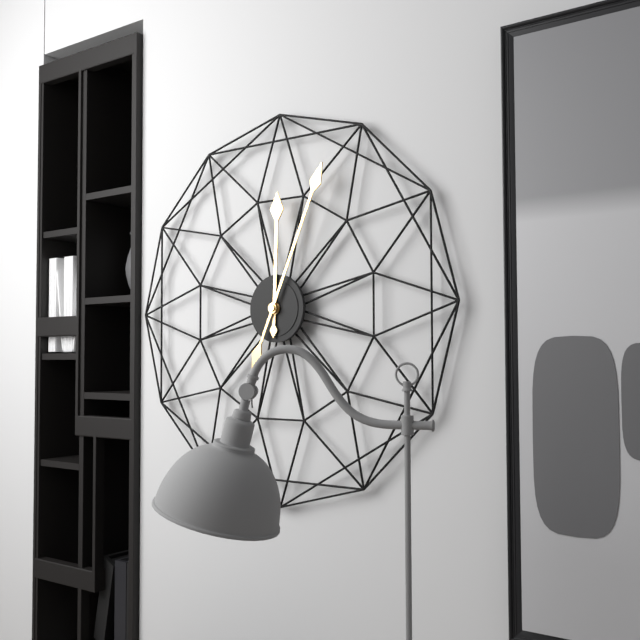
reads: 12,04
